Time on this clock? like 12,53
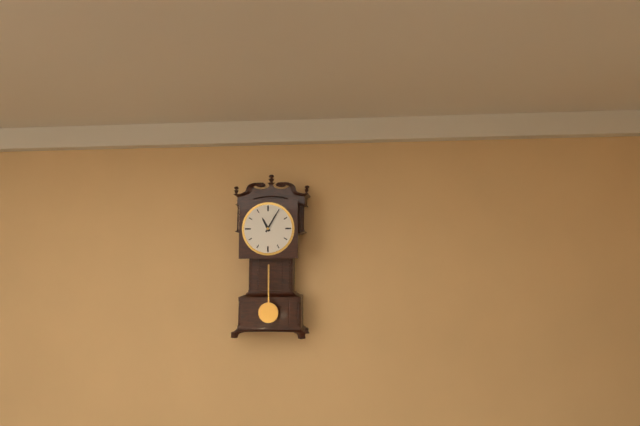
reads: 11,05
